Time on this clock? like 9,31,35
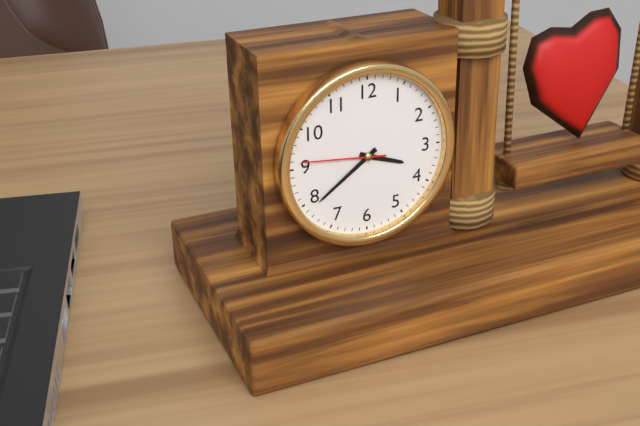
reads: 3,39,46
